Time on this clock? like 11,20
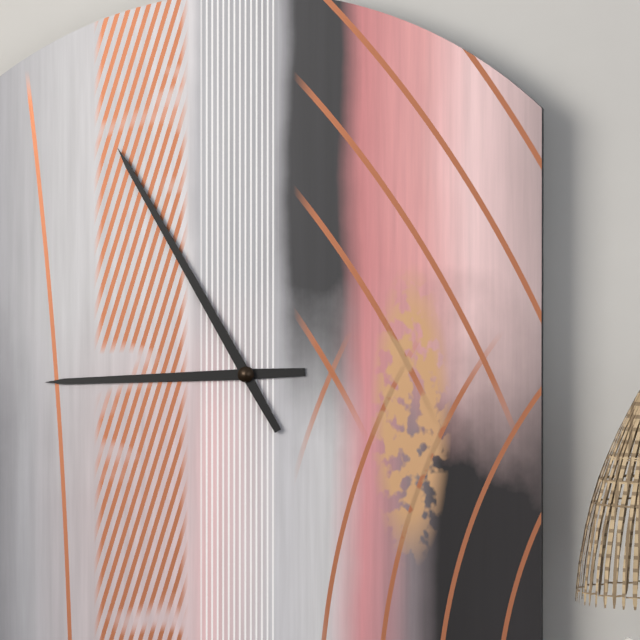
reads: 8,55
